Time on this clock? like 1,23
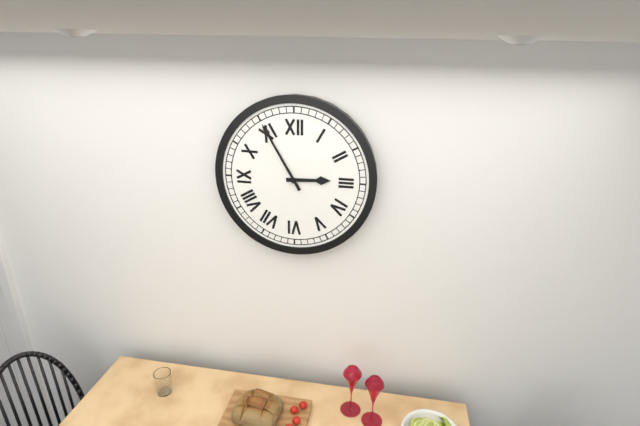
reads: 2,55
